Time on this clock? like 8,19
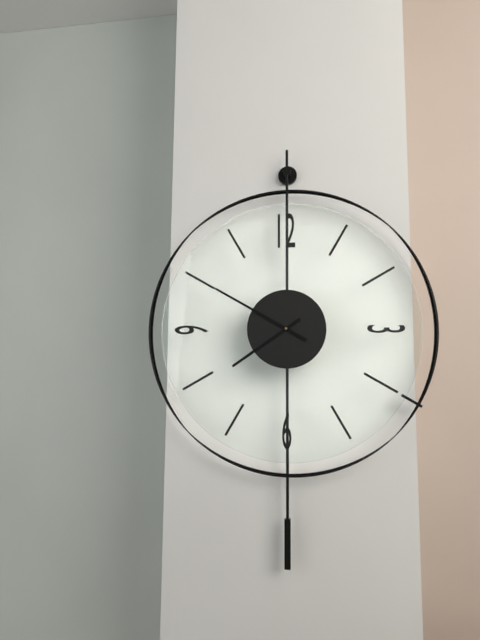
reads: 7,50
